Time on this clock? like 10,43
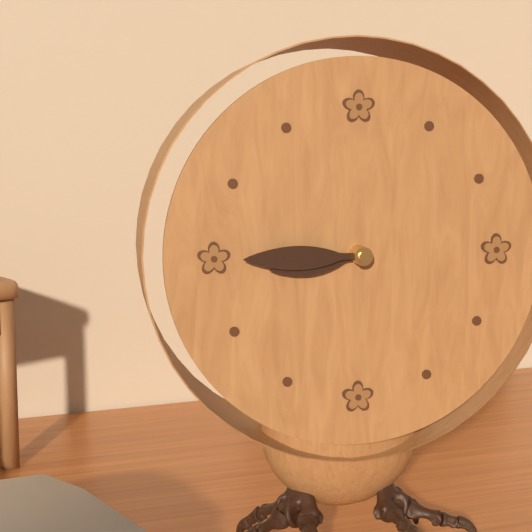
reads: 8,45
